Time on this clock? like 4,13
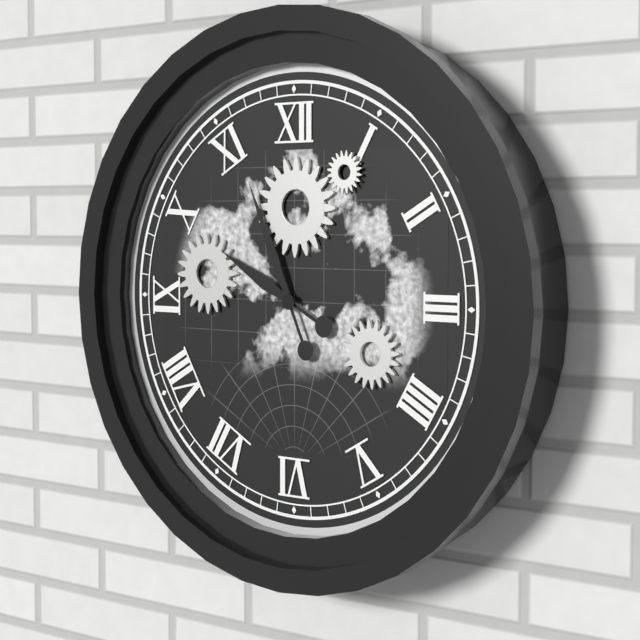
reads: 9,56
